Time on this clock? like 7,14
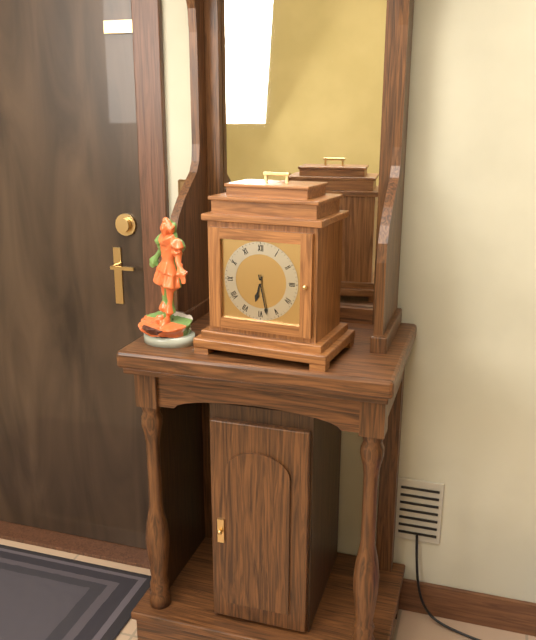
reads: 6,28
